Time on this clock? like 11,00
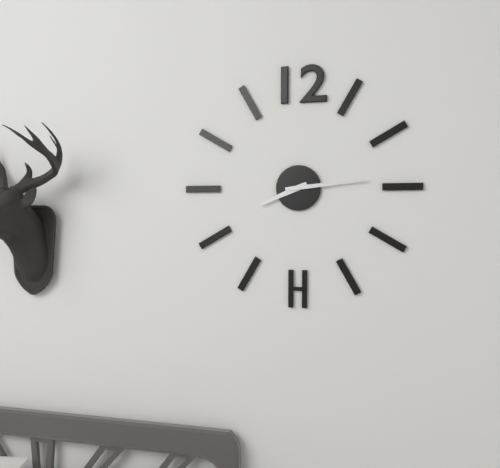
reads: 8,14
